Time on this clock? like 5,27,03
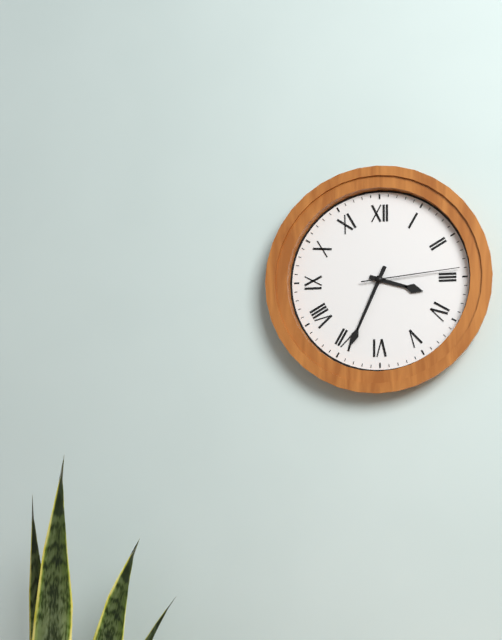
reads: 3,34,14
